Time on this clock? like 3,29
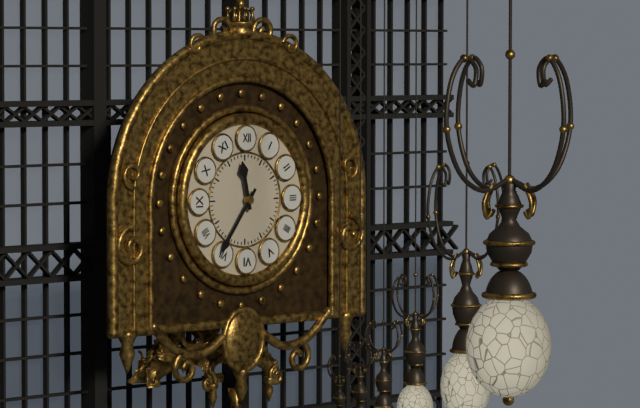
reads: 11,36
